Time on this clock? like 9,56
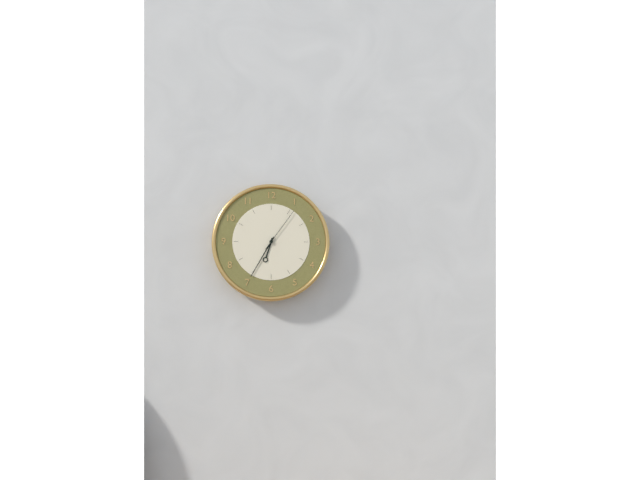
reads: 6,35
